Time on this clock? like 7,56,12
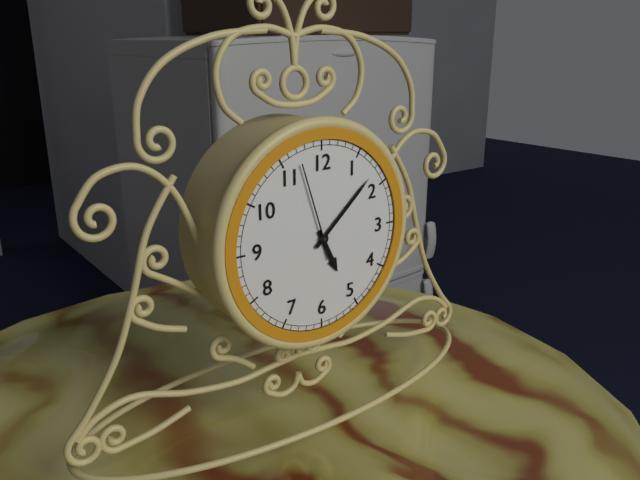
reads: 5,08,57
